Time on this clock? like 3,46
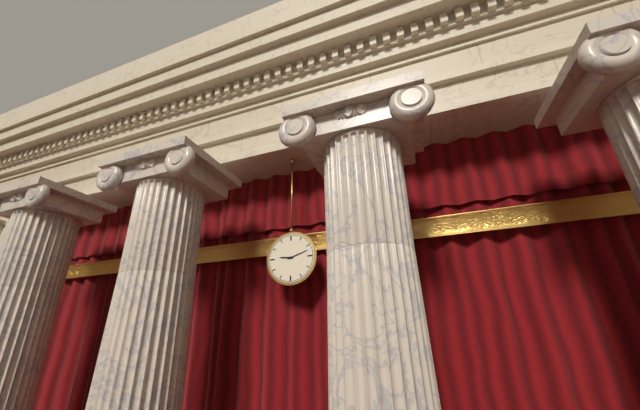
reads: 9,12
